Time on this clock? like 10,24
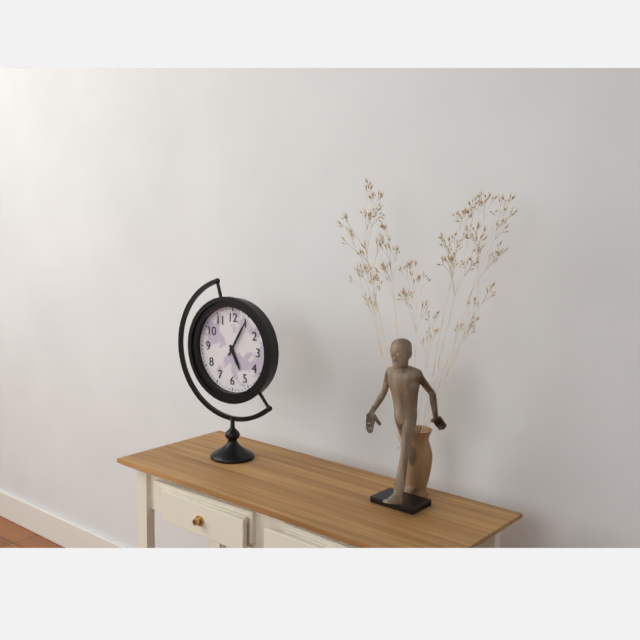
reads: 5,05
